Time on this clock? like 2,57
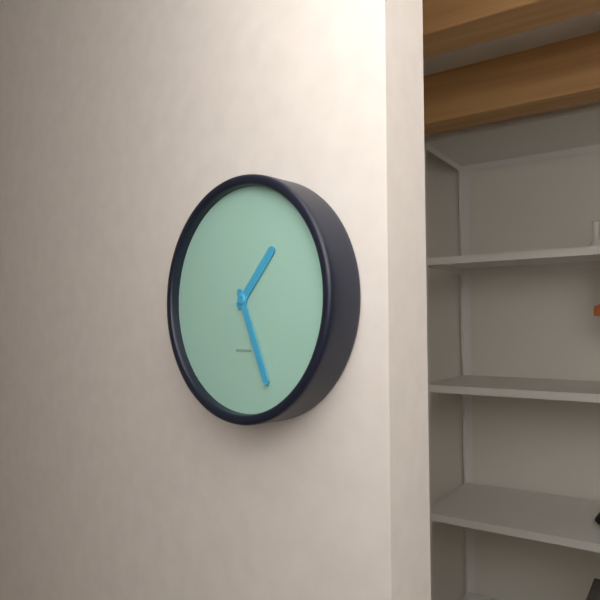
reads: 1,26
